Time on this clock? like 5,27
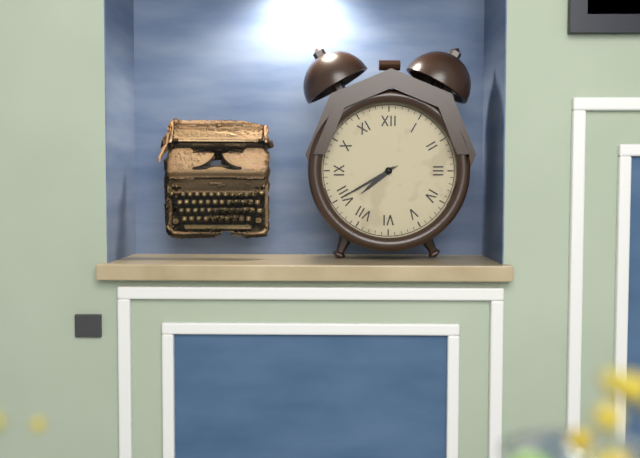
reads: 7,40
